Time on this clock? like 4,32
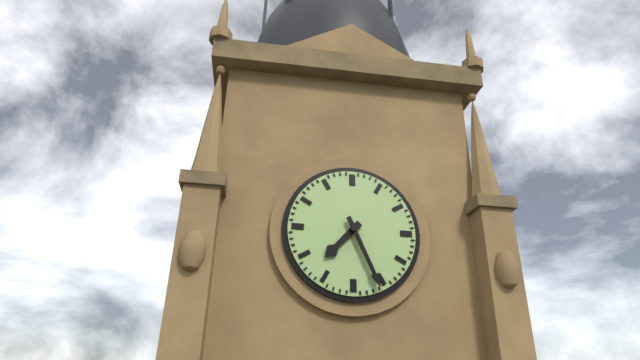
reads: 7,26
